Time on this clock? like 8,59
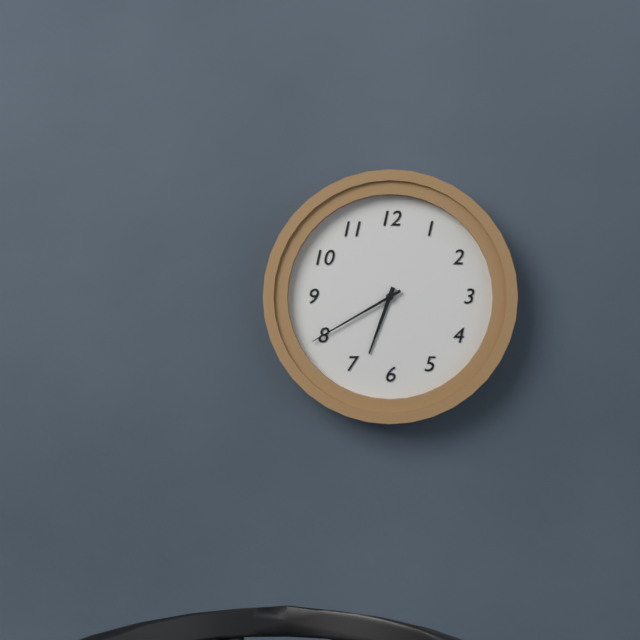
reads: 6,40
